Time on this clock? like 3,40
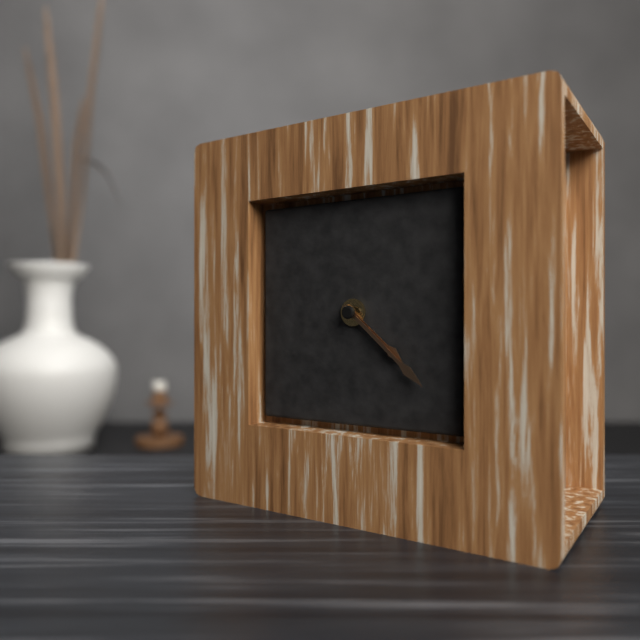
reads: 4,22
